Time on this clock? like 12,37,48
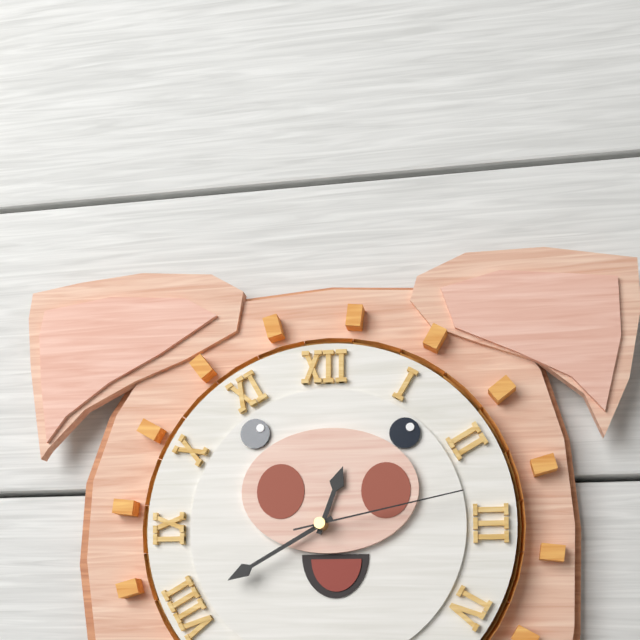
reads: 12,40,13
